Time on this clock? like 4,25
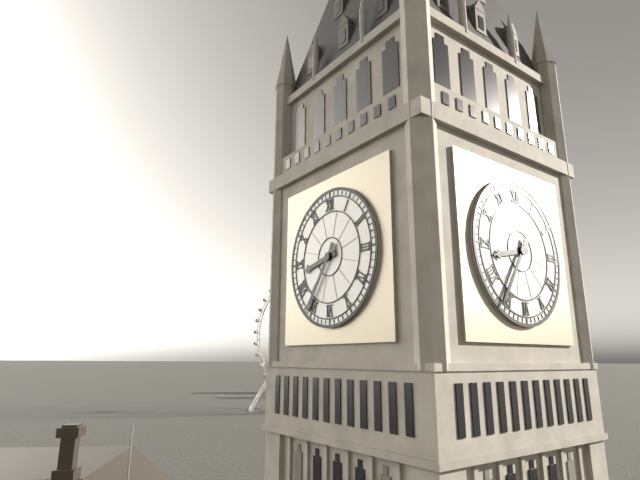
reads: 8,36
